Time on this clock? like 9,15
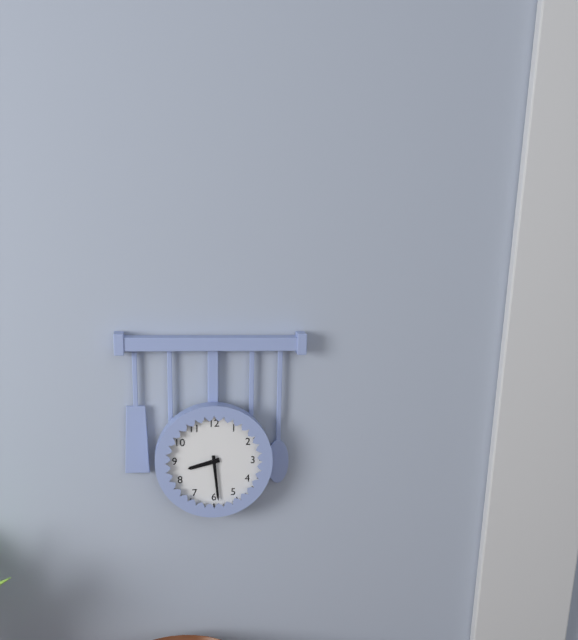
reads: 8,29
